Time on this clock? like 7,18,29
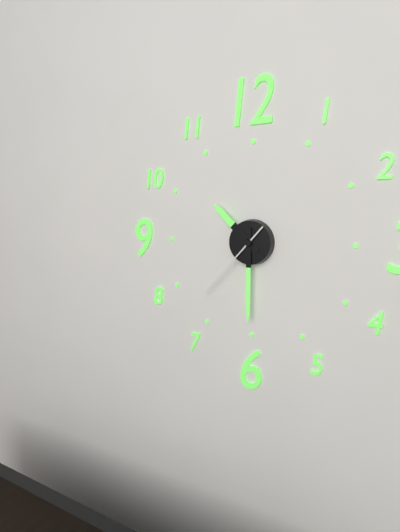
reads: 10,30,37
